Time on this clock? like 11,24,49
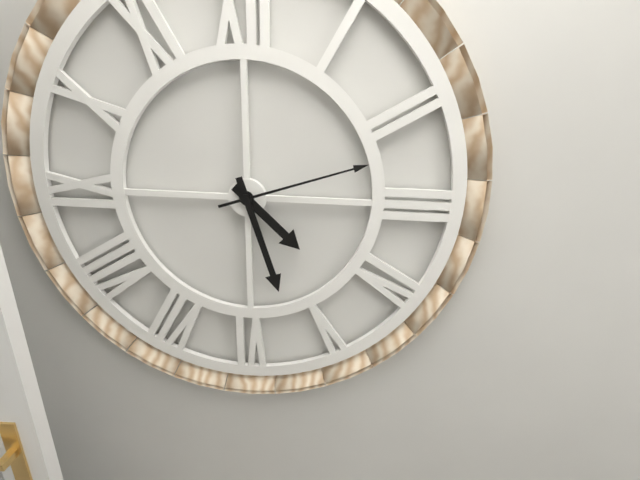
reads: 4,27,12
